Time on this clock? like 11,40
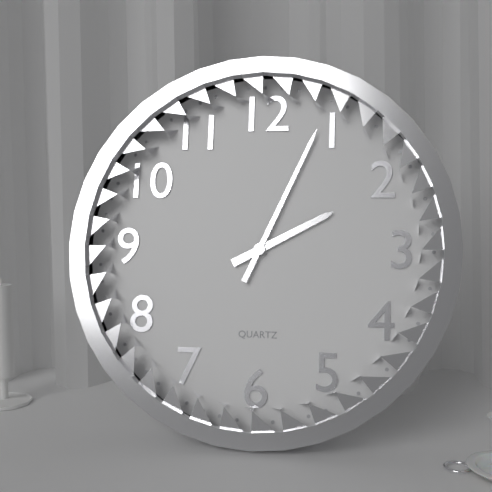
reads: 2,04
